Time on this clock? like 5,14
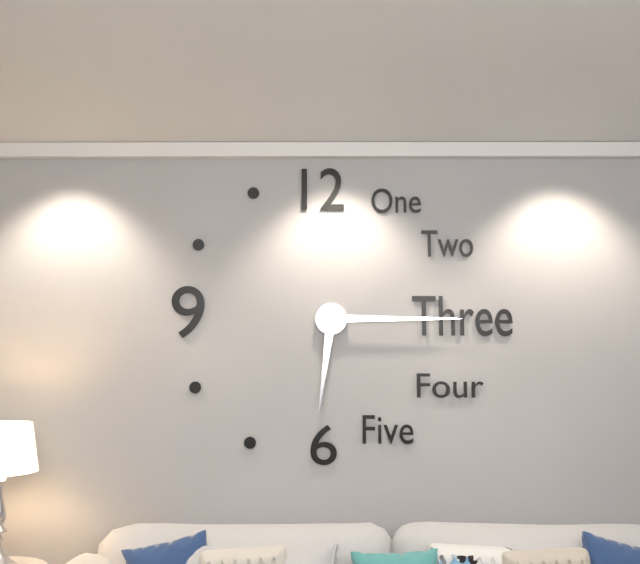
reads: 6,15
